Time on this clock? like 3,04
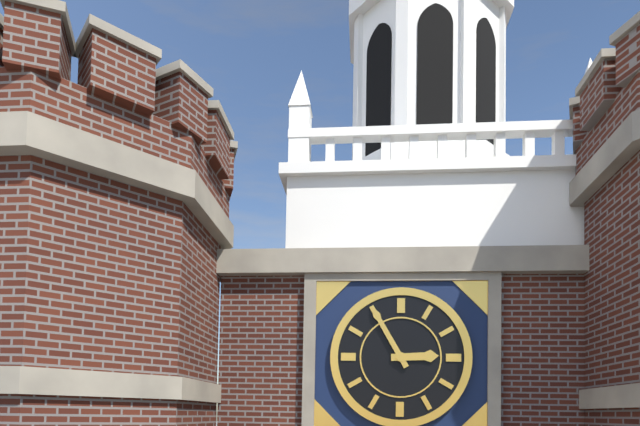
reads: 2,55
